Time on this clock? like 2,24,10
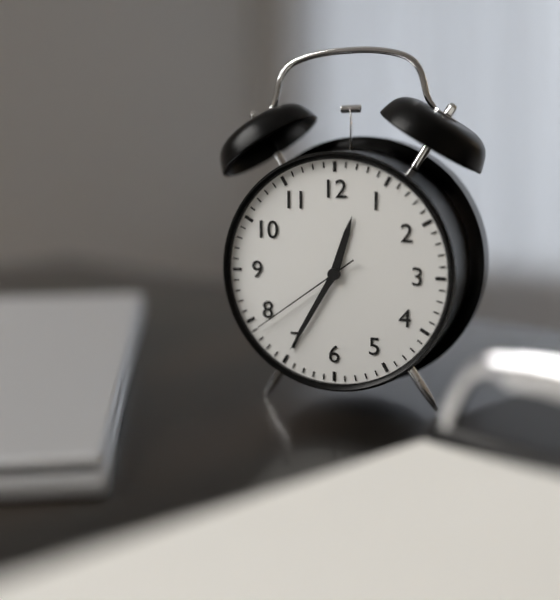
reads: 12,35,39
